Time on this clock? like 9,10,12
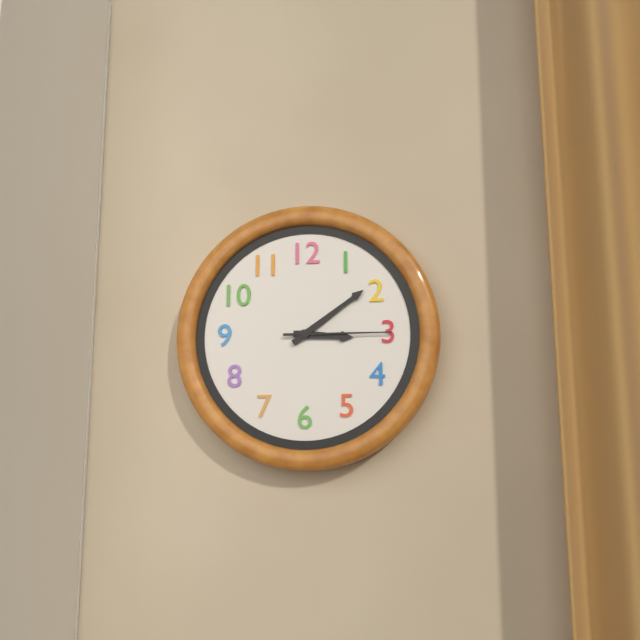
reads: 3,09,15
